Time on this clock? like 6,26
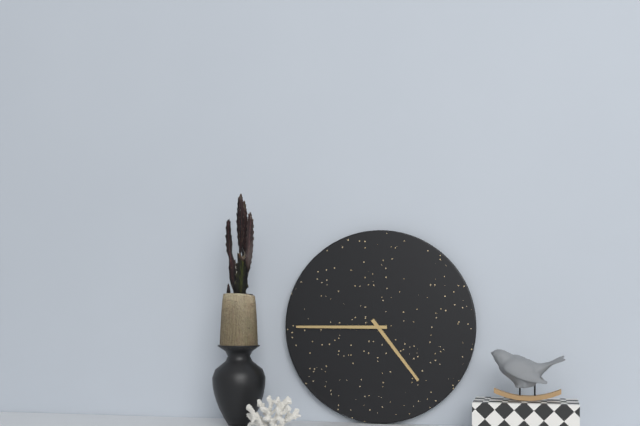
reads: 4,45
